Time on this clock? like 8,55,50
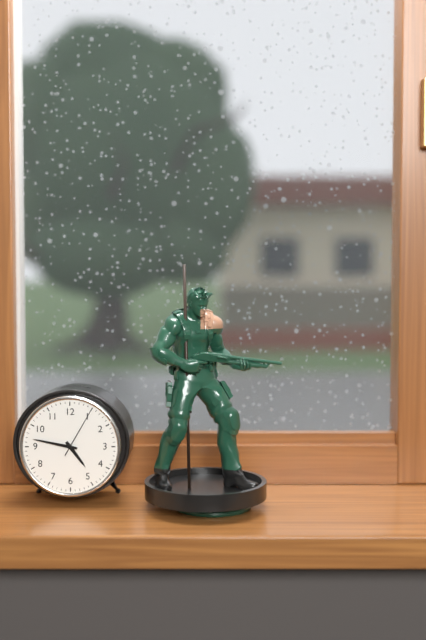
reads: 4,47,05
